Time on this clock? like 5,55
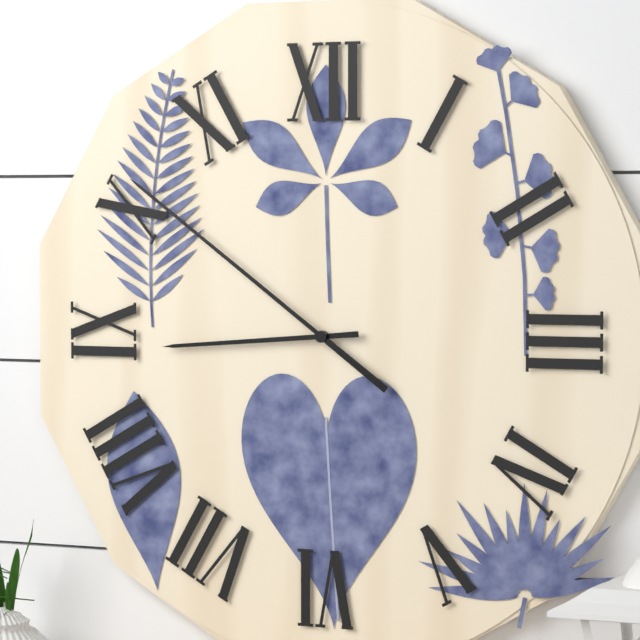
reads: 8,51
